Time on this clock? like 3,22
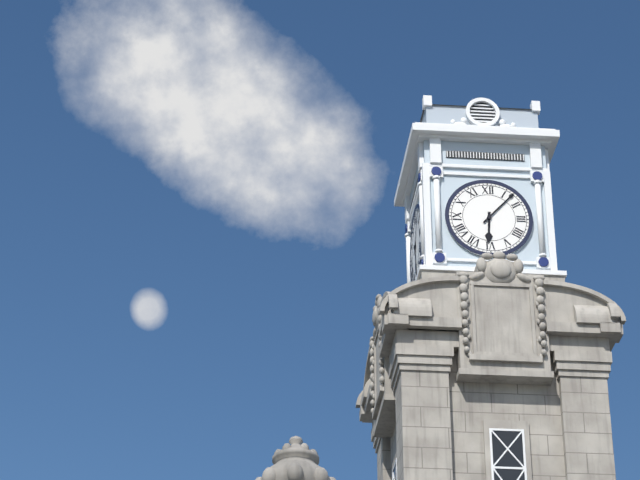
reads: 6,07
